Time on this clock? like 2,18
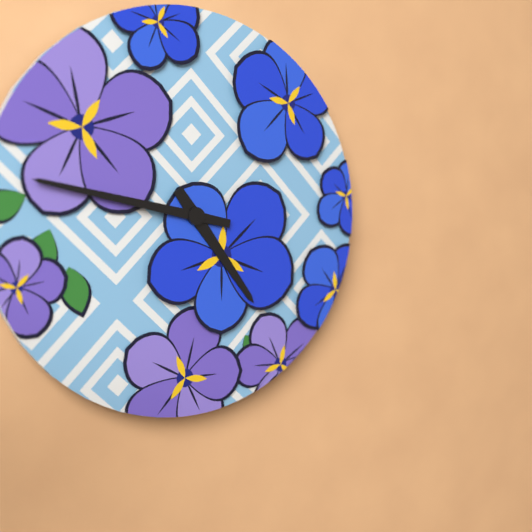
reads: 4,47
